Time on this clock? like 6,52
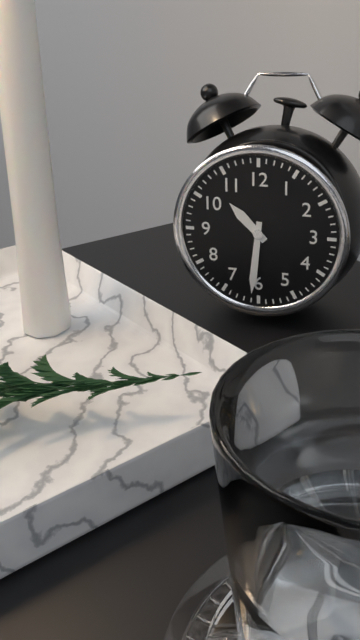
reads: 10,31
